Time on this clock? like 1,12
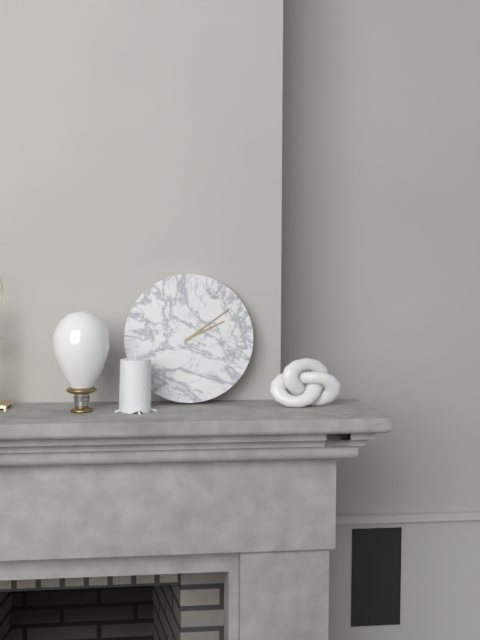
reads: 2,09
